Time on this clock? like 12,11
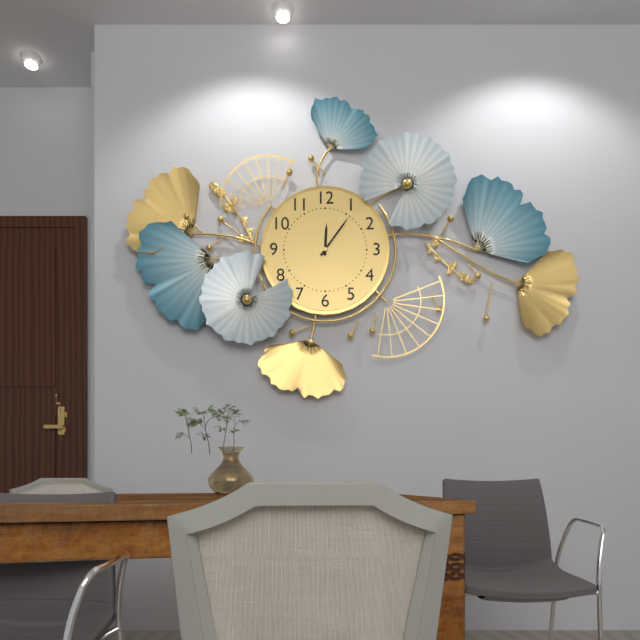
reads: 12,06
